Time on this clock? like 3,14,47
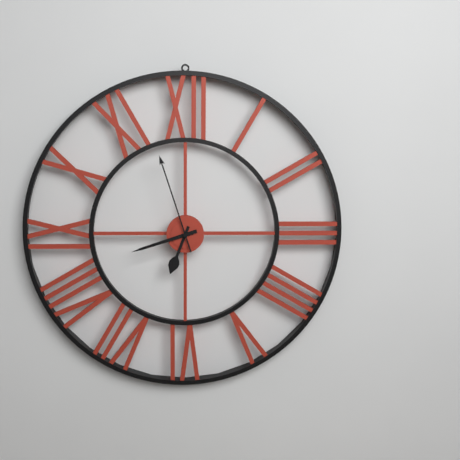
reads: 6,42,57
